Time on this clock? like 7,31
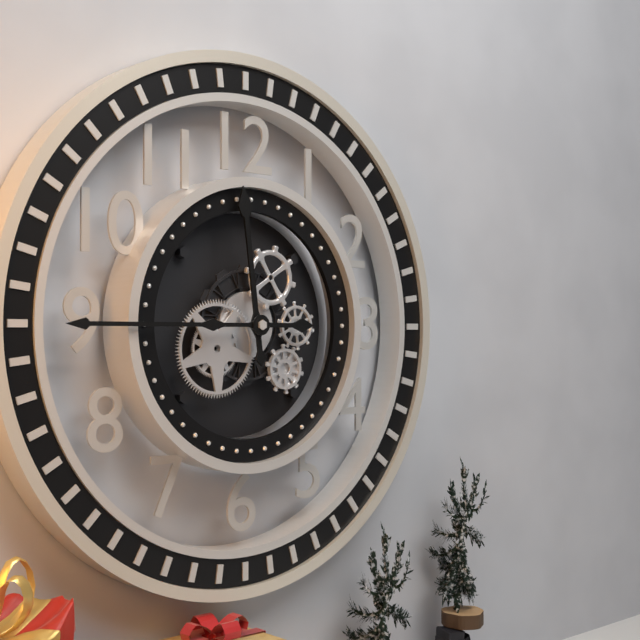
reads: 11,45
